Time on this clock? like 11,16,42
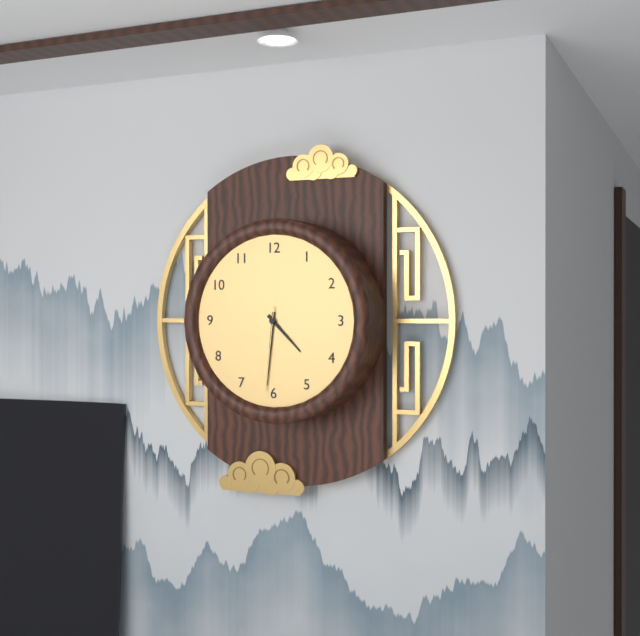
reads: 4,31,31
